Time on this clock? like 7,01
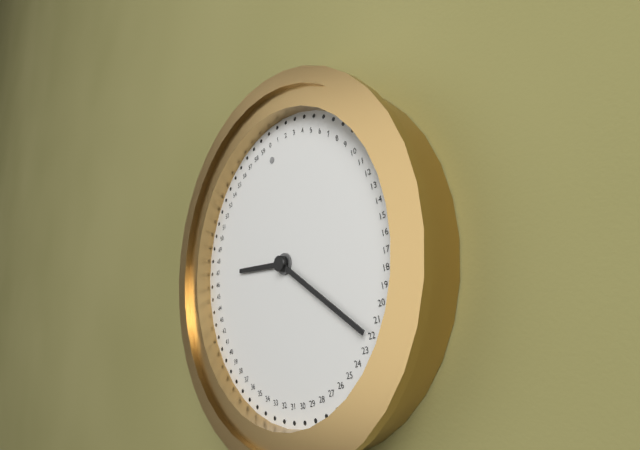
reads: 9,22
